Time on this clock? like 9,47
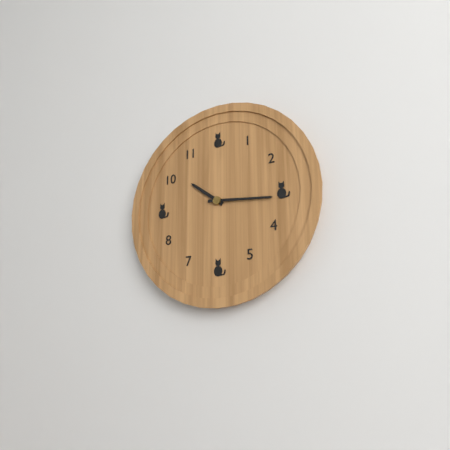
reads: 10,16
